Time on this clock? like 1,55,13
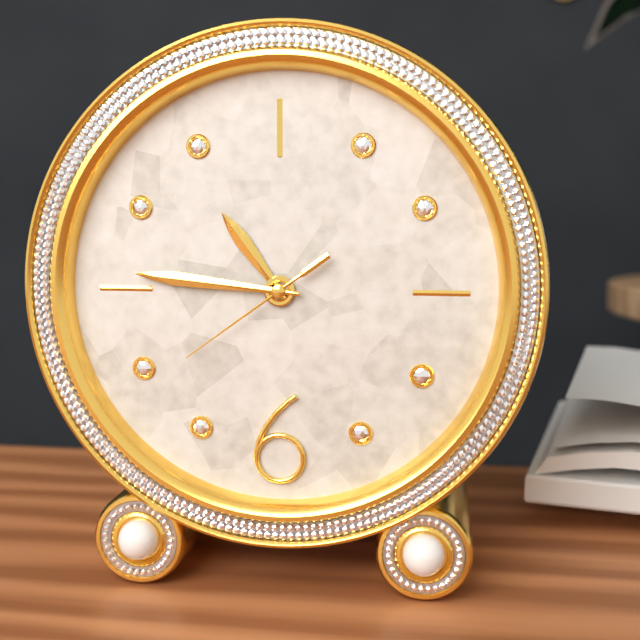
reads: 10,46,39
